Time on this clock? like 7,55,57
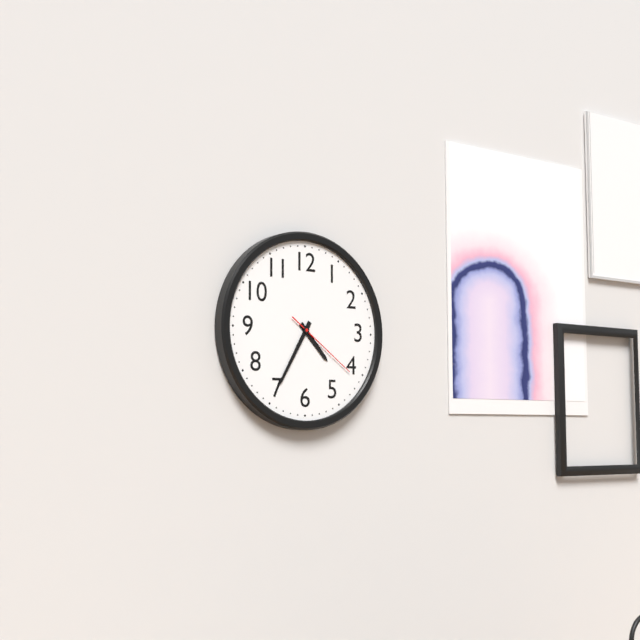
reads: 4,35,21
